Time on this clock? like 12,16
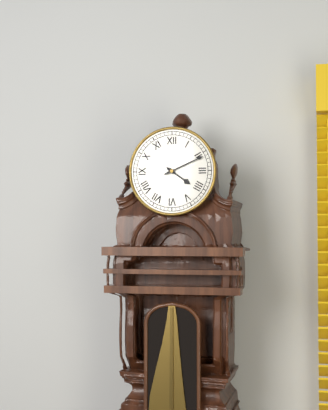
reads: 4,11
